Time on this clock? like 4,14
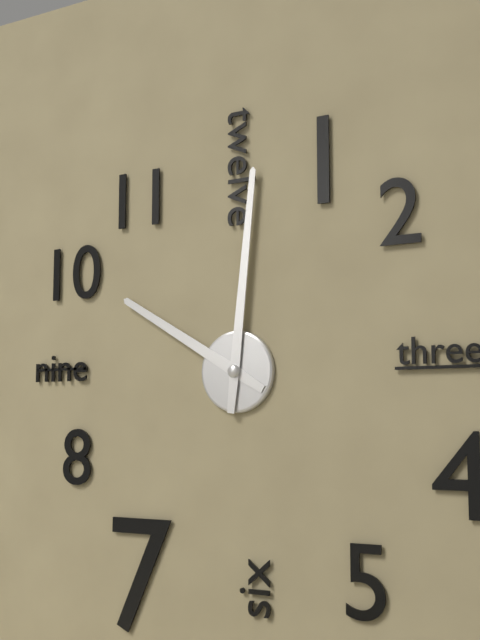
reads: 10,01
